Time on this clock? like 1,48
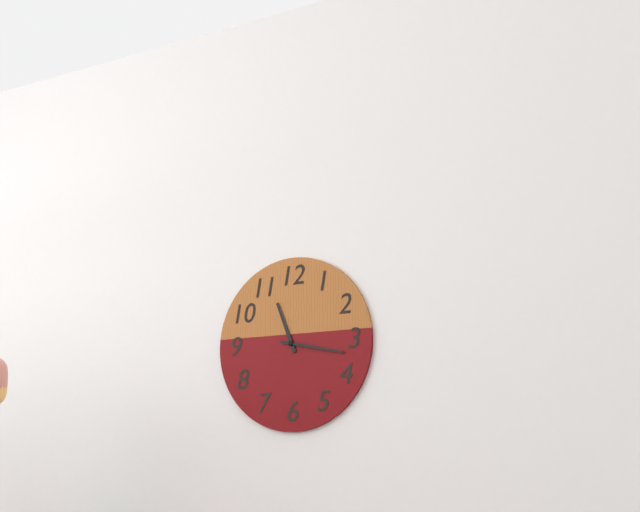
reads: 11,17
